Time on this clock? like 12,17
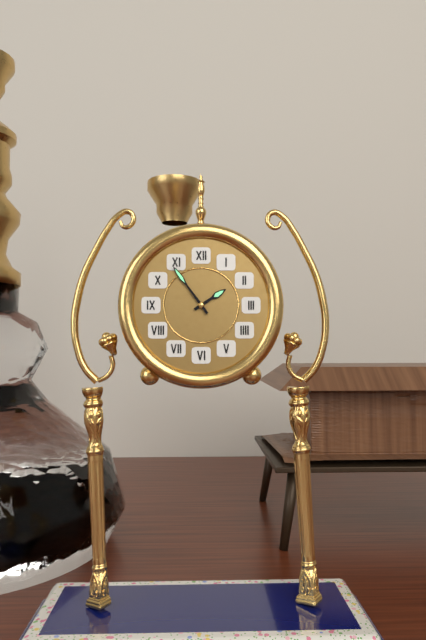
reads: 1,54
